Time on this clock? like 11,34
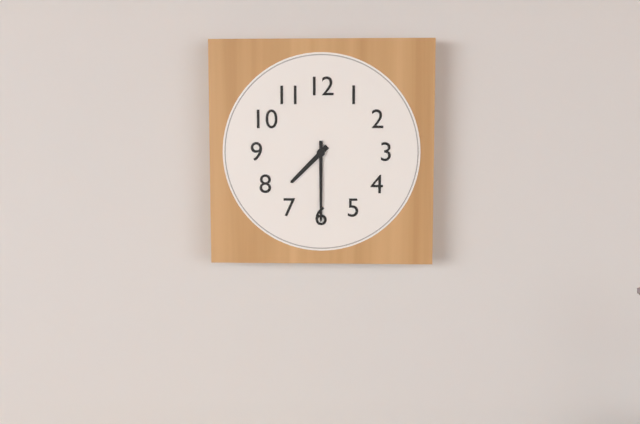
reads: 7,30
